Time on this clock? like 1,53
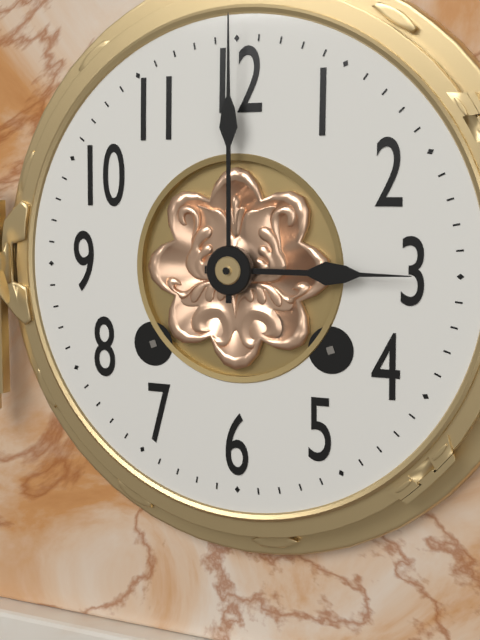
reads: 3,00
